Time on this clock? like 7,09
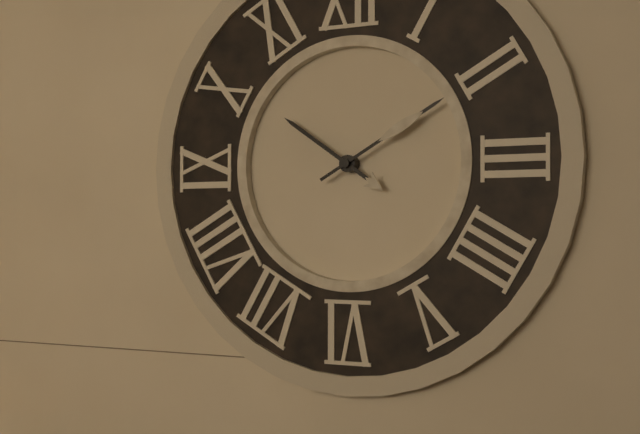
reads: 10,10
